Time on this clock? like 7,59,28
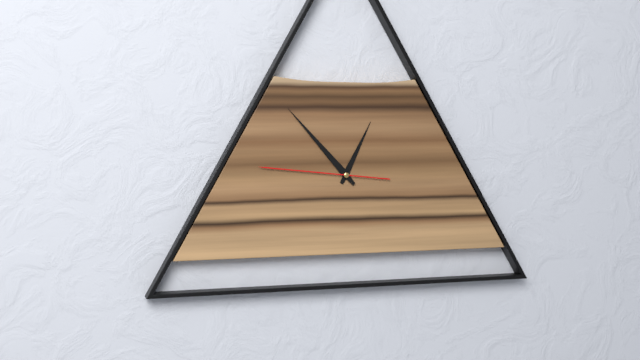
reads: 12,53,46
